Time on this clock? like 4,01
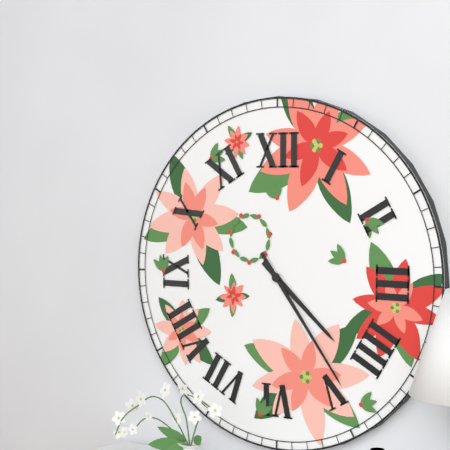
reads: 4,24
